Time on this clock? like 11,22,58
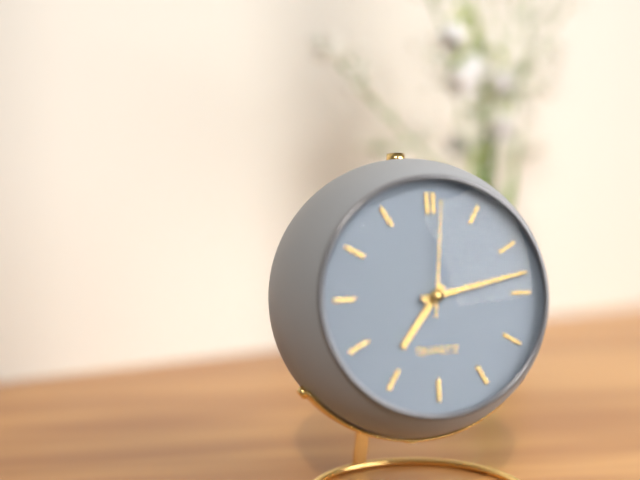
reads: 7,13,01
